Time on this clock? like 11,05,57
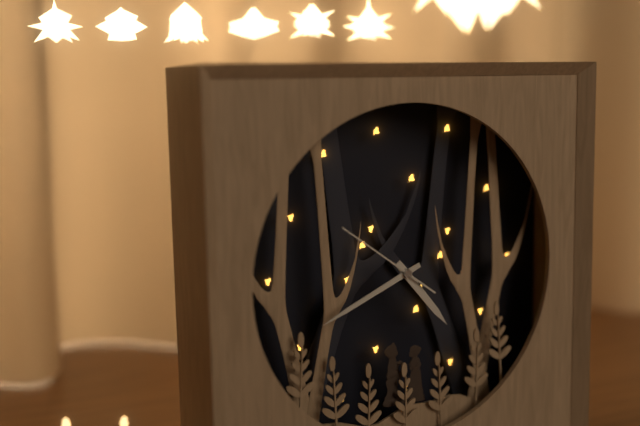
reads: 4,41,51
